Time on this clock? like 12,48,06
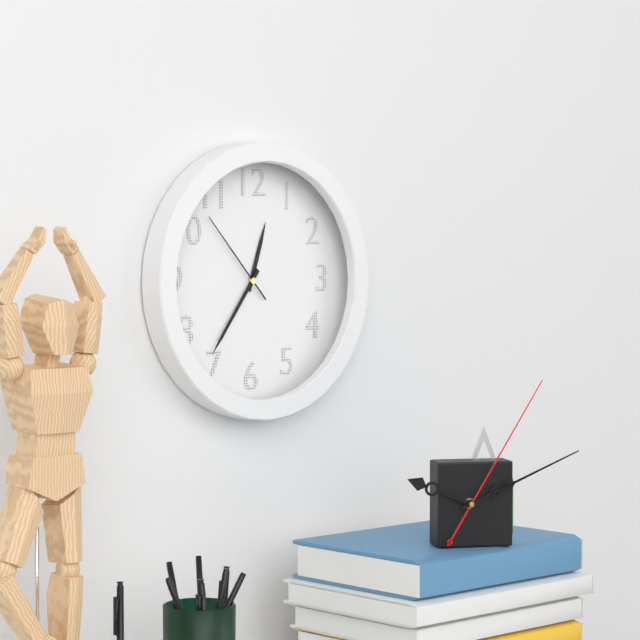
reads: 12,36,53
